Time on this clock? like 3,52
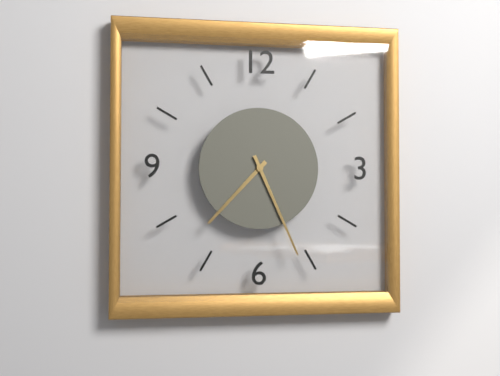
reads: 7,26
